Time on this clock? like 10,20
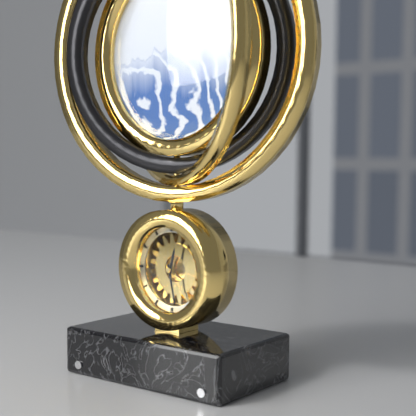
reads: 12,28
